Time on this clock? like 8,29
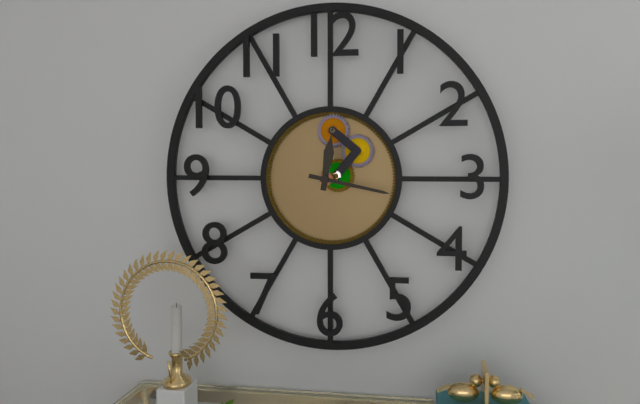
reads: 12,17
